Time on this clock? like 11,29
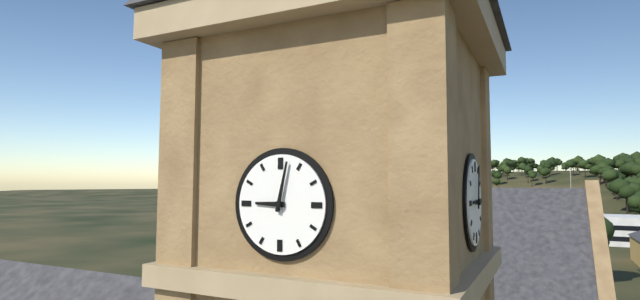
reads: 9,02
